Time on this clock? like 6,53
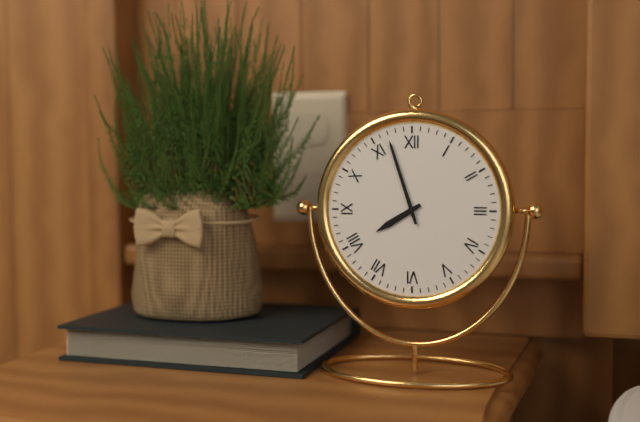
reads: 7,57
